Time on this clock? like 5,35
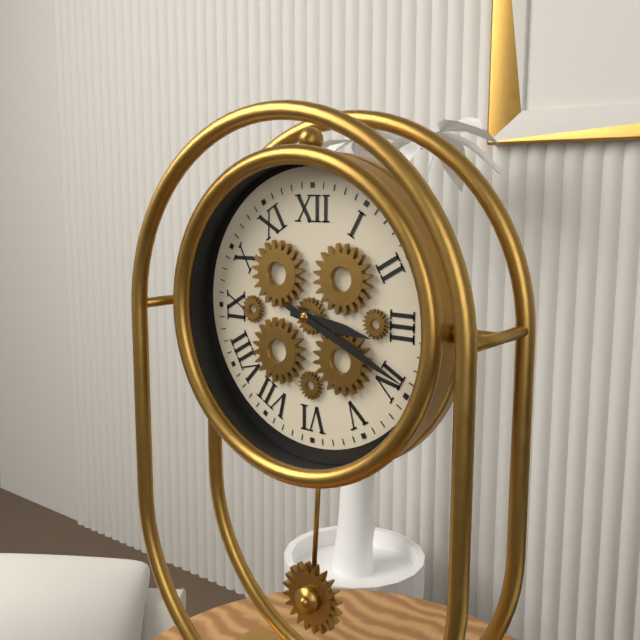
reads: 3,19
